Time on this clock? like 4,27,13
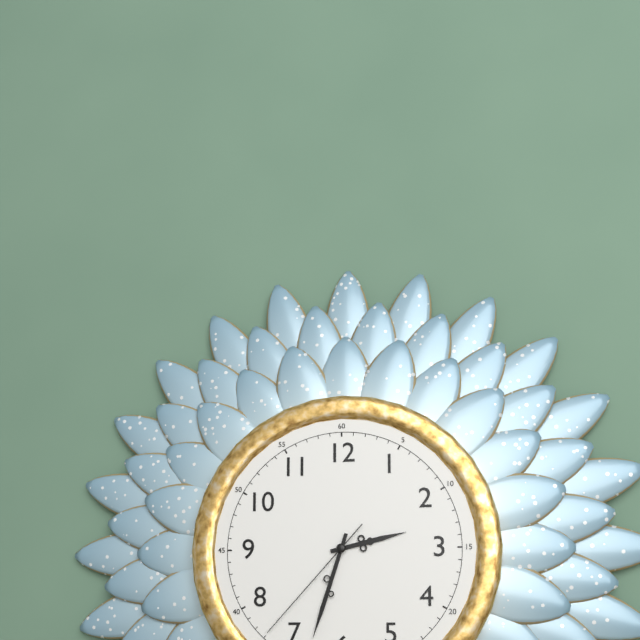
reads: 2,33,37
